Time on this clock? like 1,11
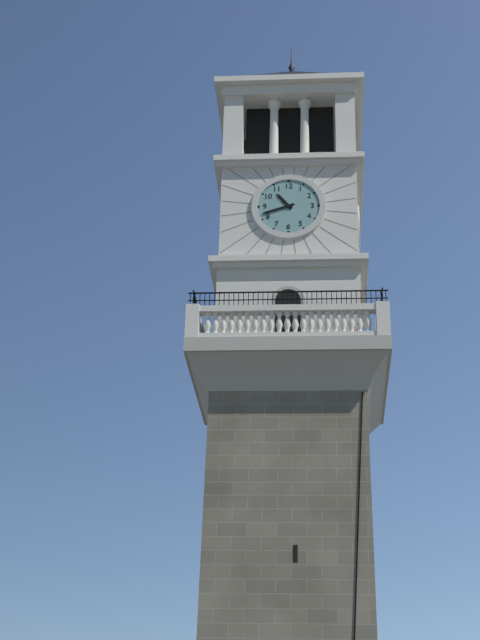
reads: 10,42
